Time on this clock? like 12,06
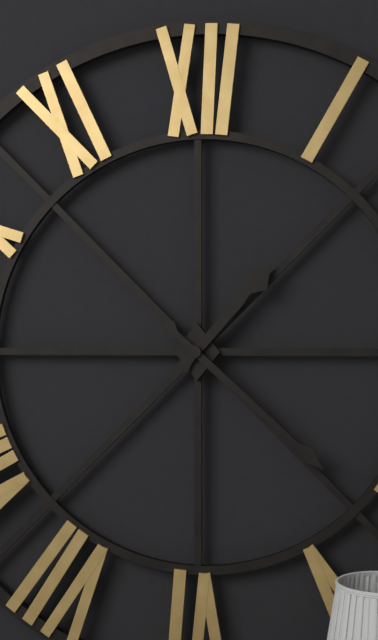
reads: 1,22
